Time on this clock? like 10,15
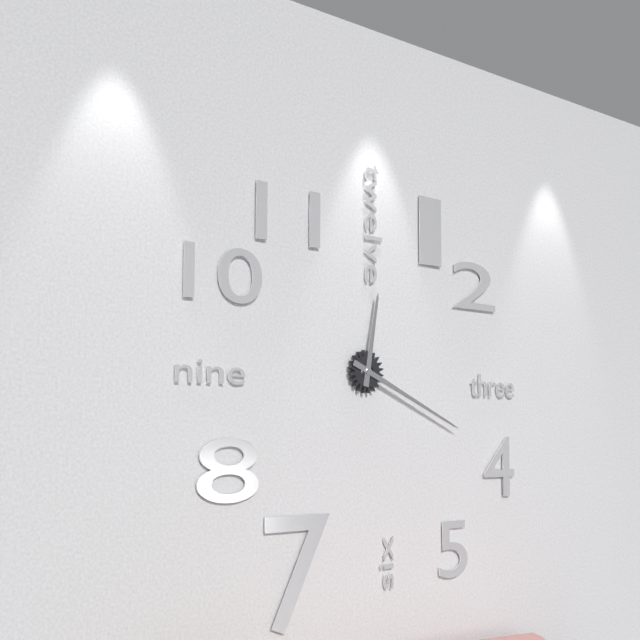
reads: 12,19
